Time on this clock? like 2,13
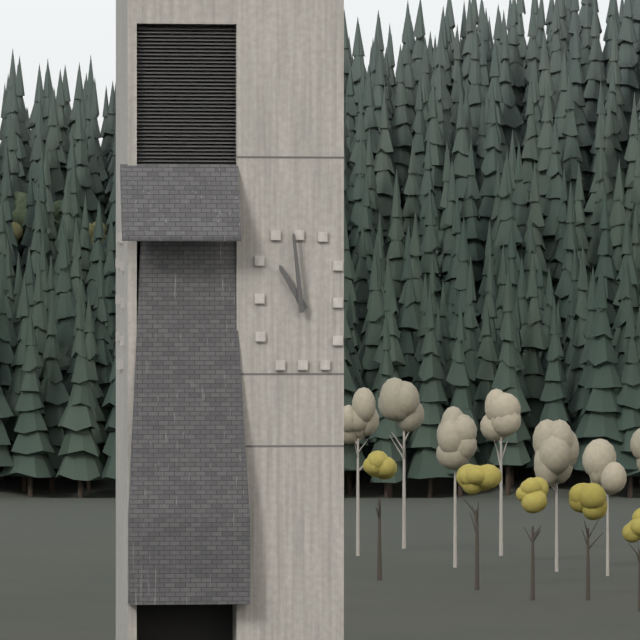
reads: 10,59
